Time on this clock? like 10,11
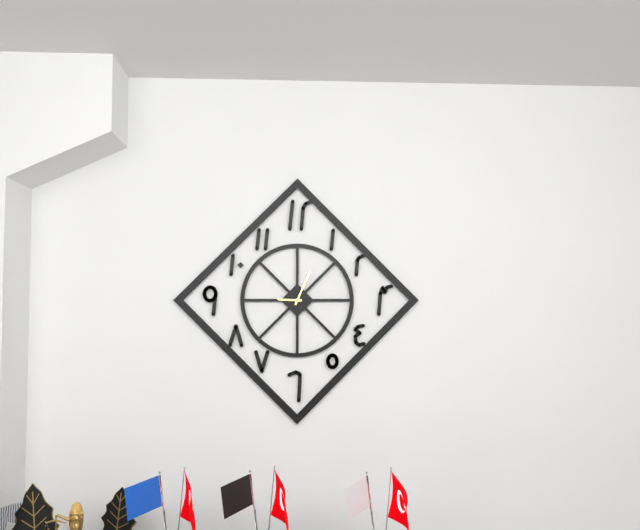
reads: 9,04
